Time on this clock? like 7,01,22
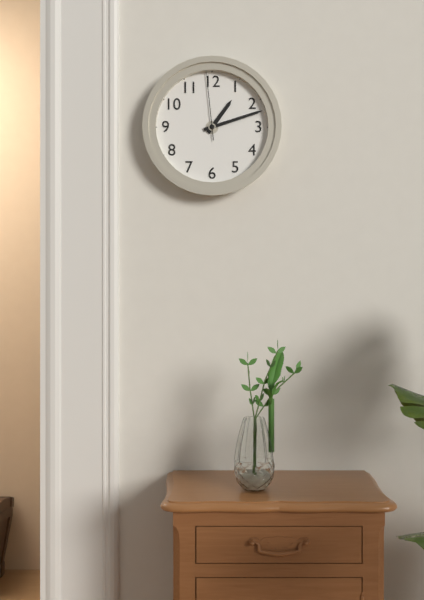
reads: 1,12,59
